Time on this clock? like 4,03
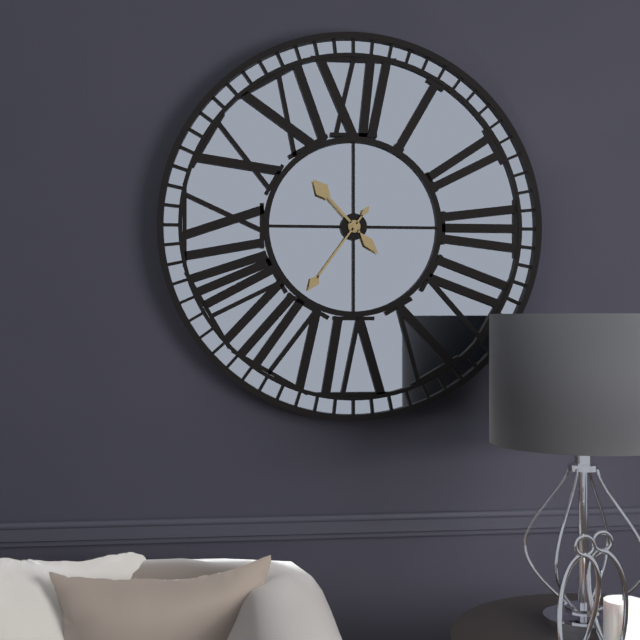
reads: 10,36
